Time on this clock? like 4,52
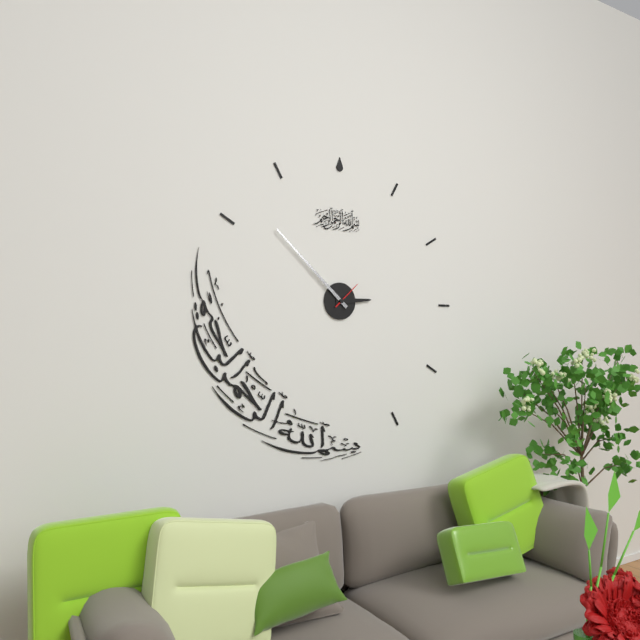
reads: 2,52
